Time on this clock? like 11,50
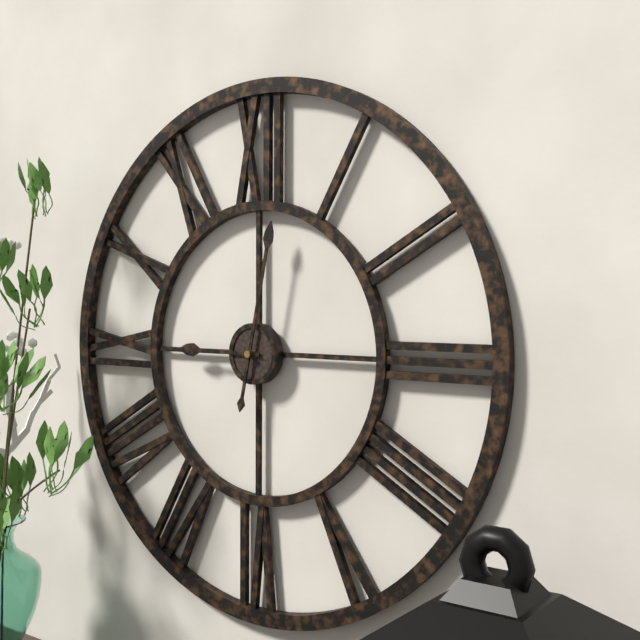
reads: 9,02
